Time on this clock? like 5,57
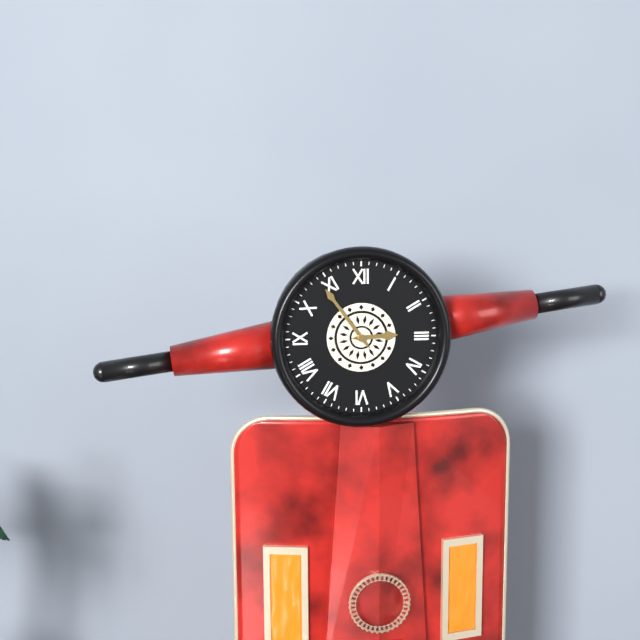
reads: 2,54
